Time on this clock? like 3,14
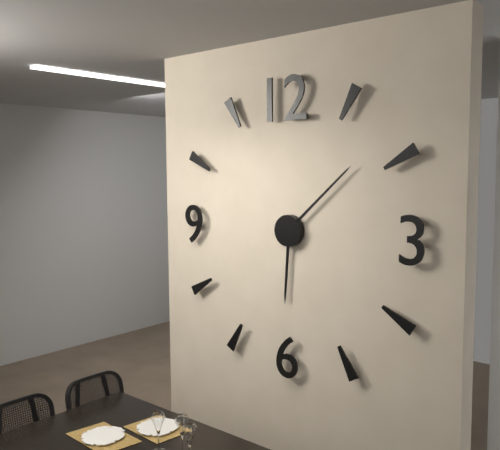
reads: 6,08
